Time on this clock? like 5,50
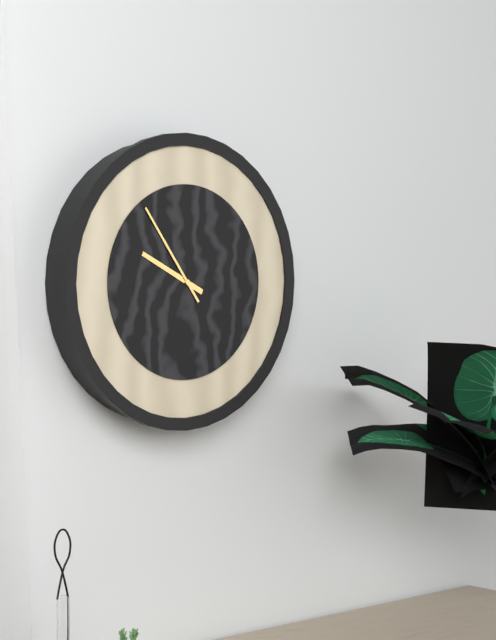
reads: 9,54
